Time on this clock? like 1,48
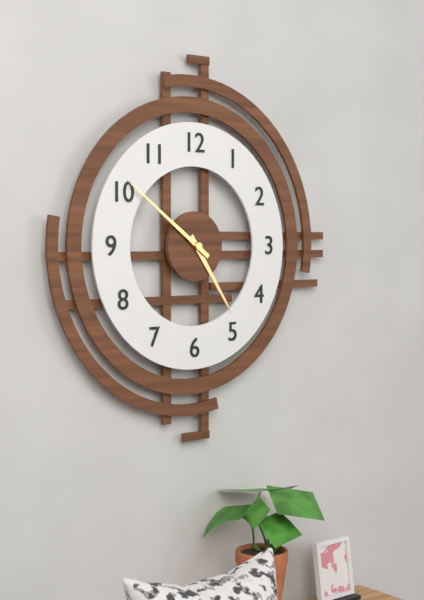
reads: 4,51
